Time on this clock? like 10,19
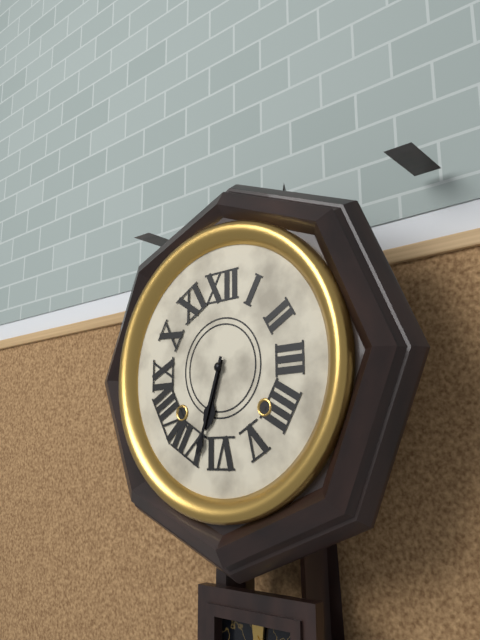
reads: 6,33
